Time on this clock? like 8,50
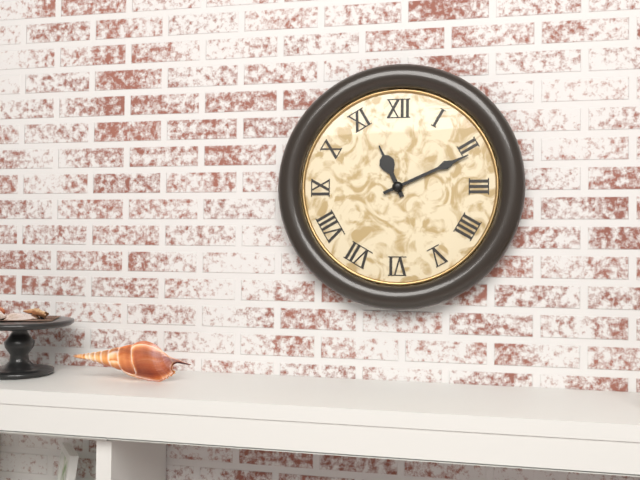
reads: 11,11
